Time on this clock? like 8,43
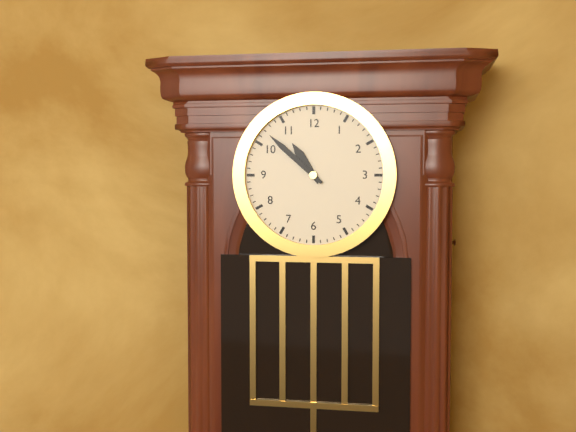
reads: 10,52
